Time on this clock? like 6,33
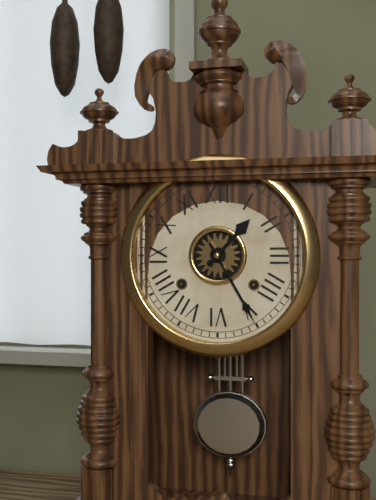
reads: 1,25
